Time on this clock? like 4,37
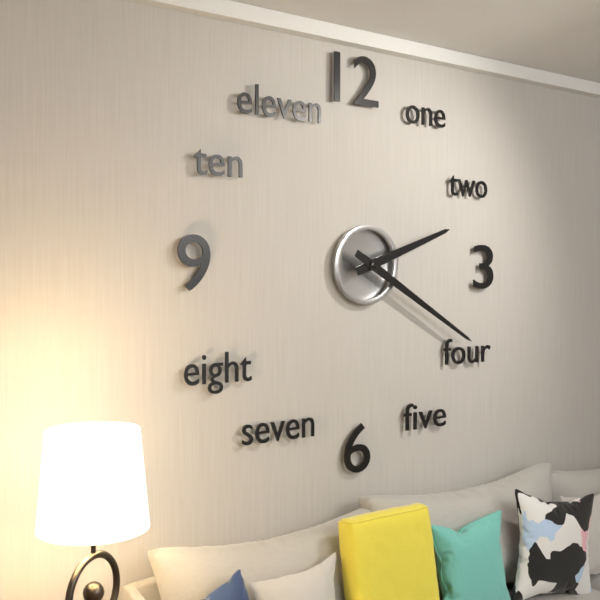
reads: 2,20
